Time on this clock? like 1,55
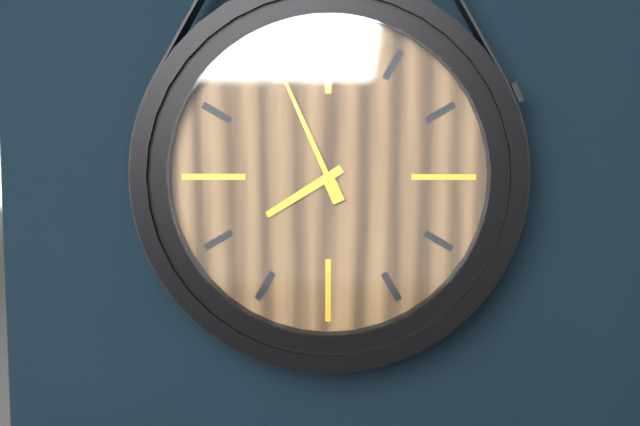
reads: 7,56
